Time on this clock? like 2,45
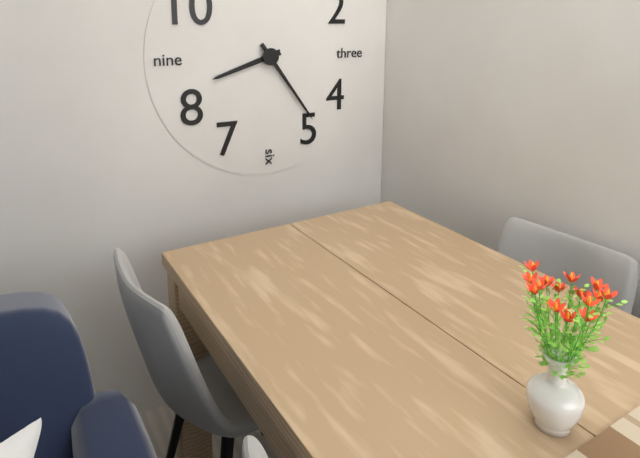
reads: 8,24
